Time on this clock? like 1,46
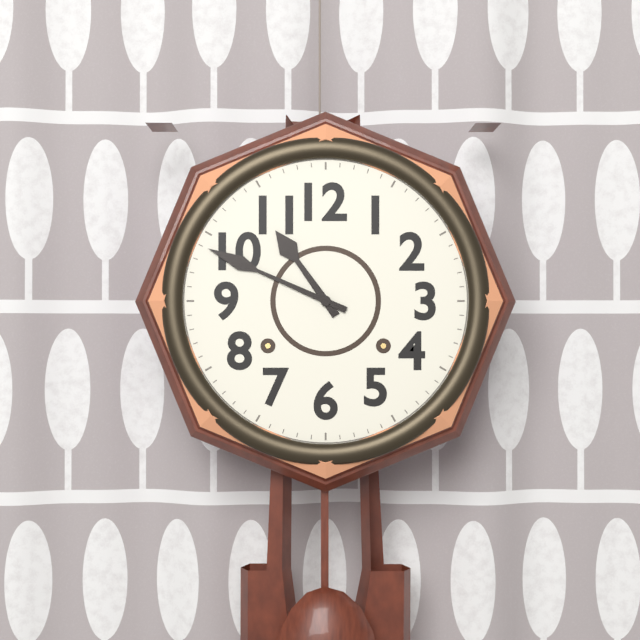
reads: 10,49
